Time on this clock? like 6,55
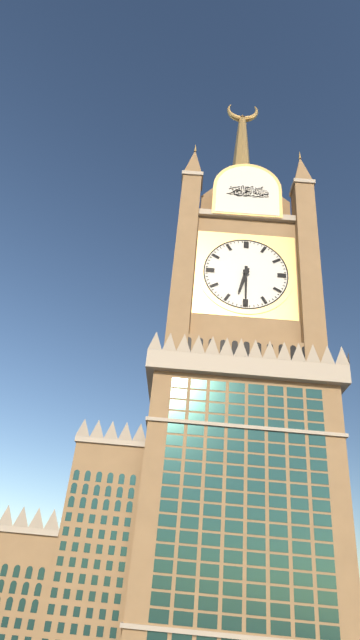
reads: 6,30
